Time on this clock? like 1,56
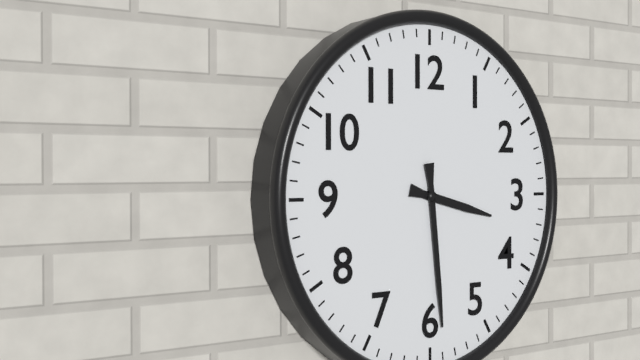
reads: 3,29
